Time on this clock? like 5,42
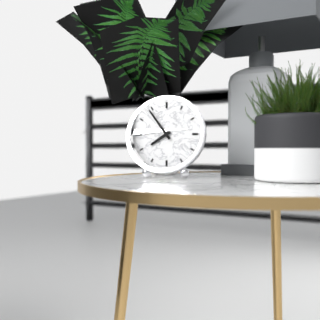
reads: 7,54
